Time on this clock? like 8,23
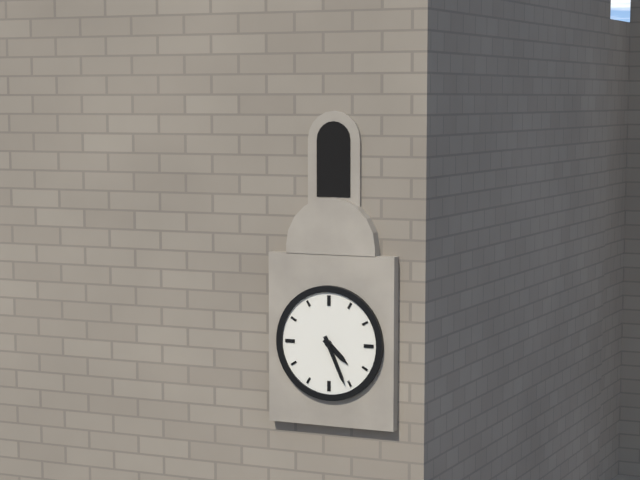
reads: 4,26
